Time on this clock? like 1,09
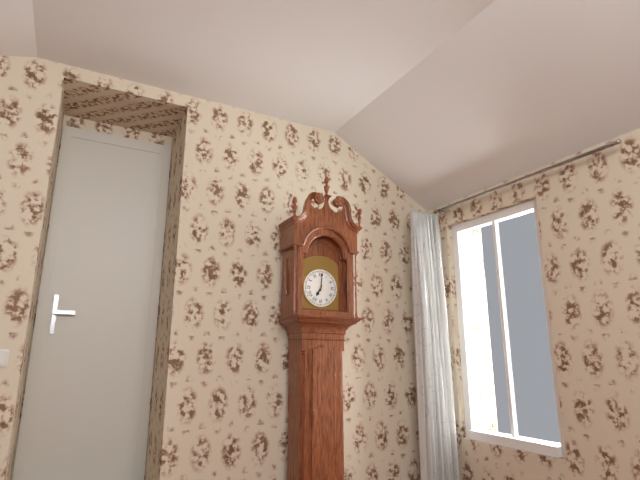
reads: 7,01
